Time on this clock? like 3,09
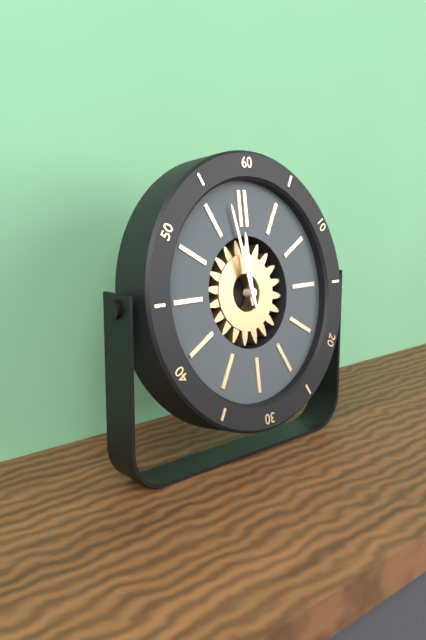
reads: 11,58
